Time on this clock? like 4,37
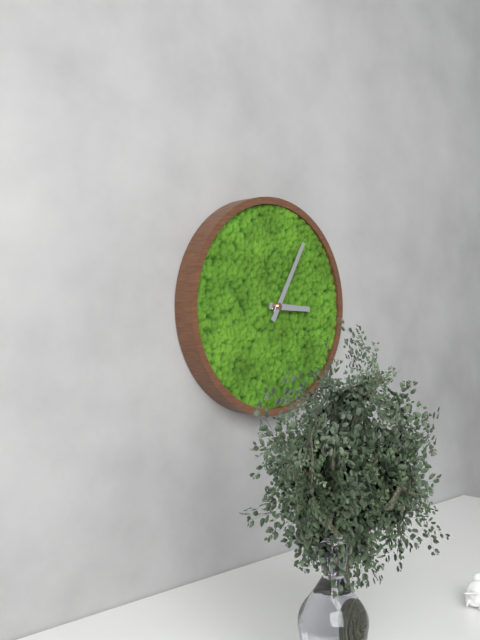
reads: 3,05
